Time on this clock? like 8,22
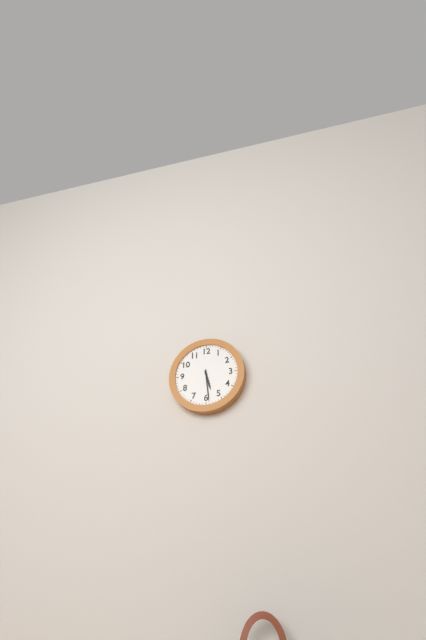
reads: 5,29
